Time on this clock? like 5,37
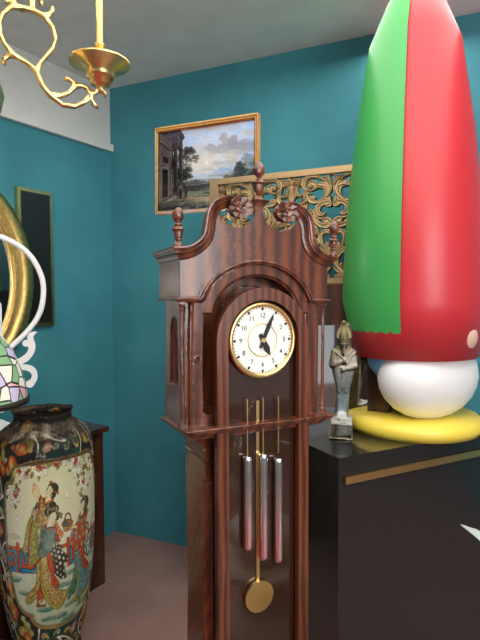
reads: 5,04
